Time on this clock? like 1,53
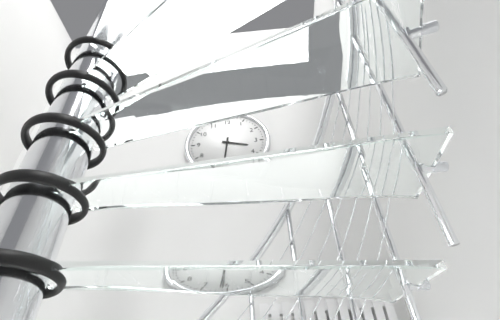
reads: 3,31
